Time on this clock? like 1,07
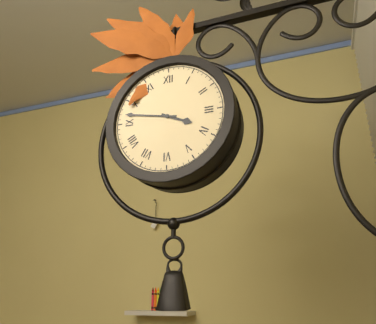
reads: 3,47
